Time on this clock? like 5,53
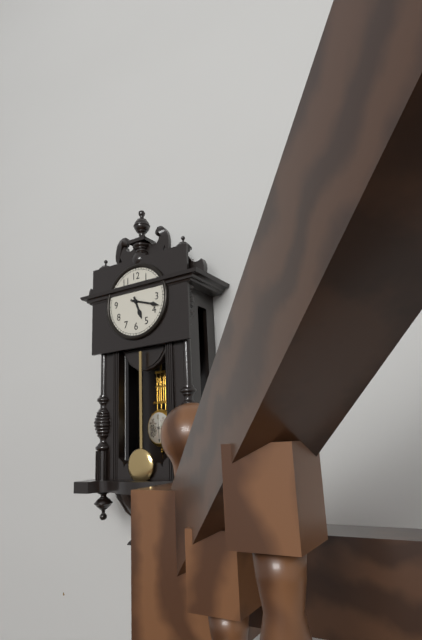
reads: 5,18
